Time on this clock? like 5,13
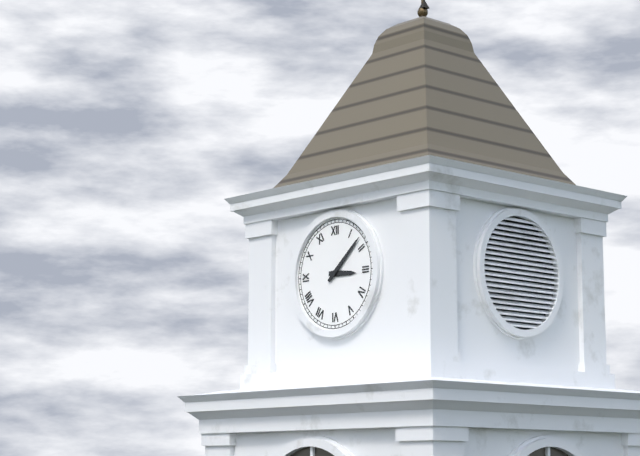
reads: 3,08
